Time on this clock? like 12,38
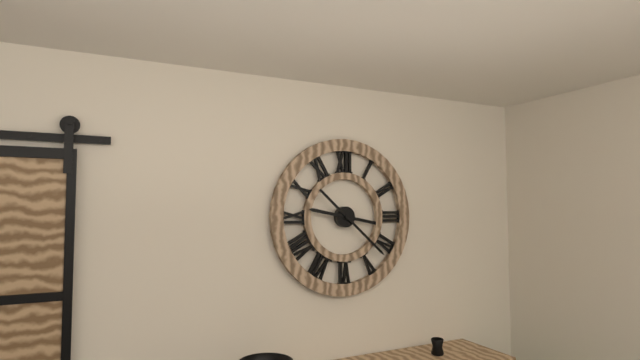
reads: 9,22
